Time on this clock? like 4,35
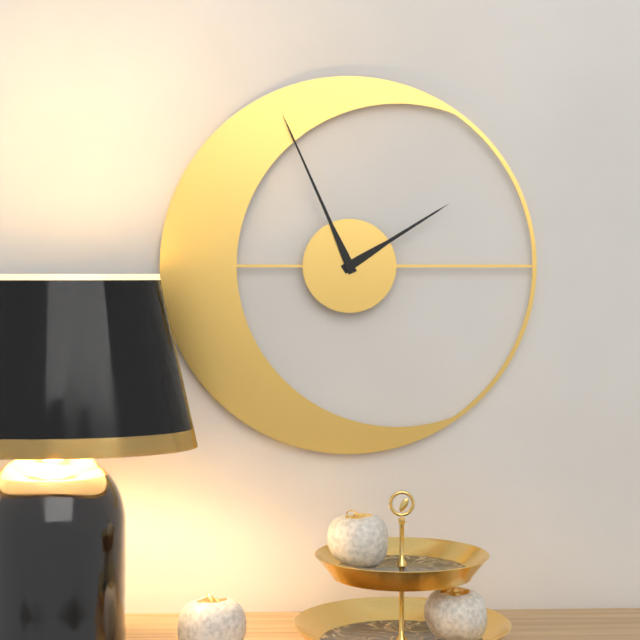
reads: 1,56
